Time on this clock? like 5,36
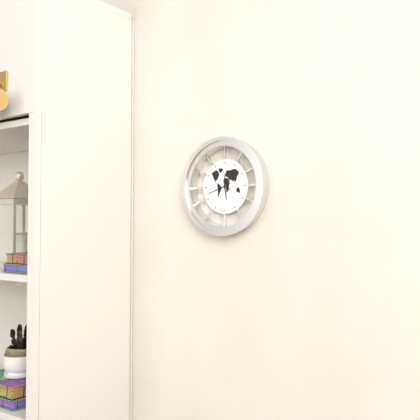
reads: 5,42
